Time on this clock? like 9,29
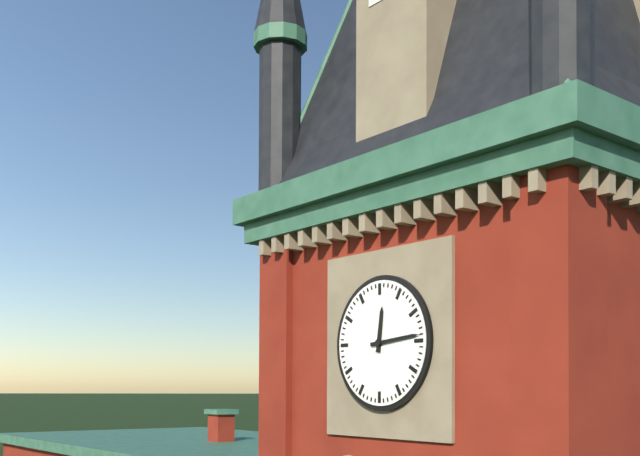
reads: 12,14
